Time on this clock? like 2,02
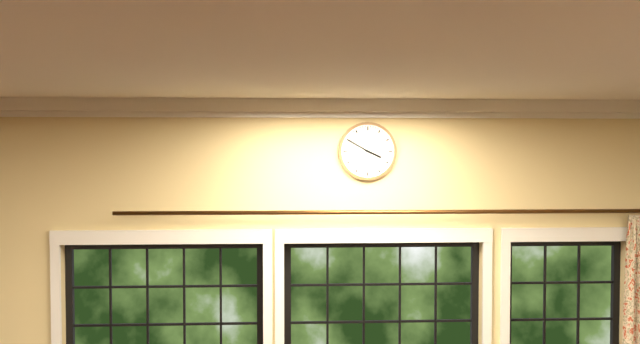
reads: 3,50
